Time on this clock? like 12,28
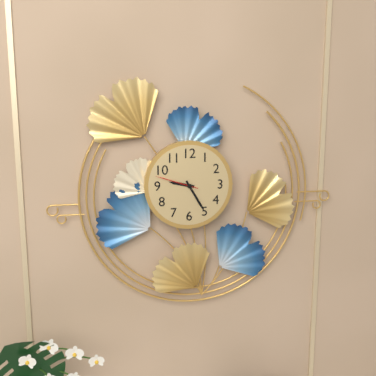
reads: 9,25
